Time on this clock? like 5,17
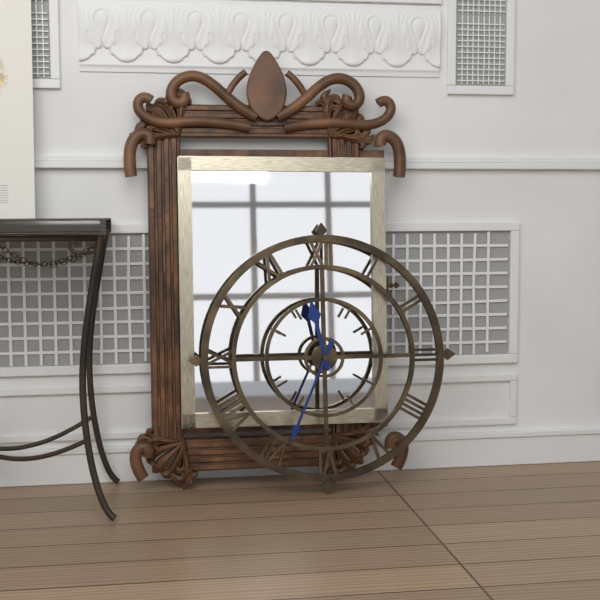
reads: 11,34
